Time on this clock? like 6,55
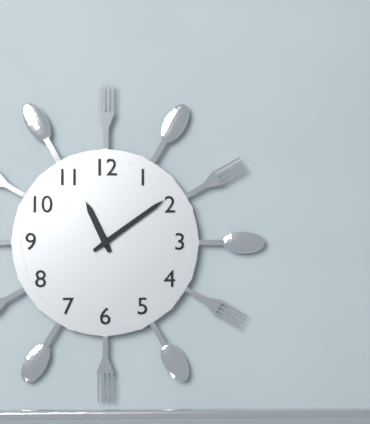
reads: 11,09
